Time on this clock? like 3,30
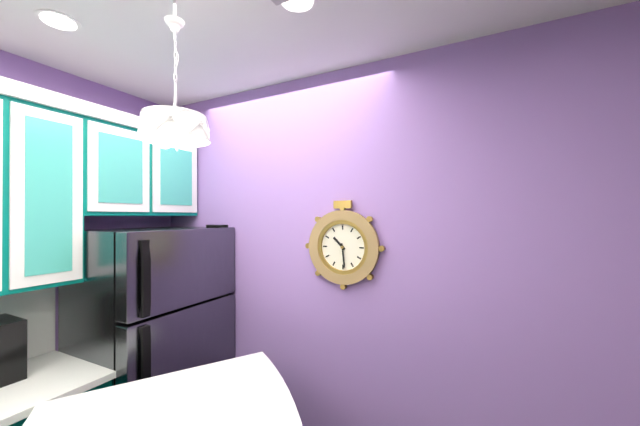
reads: 10,29
